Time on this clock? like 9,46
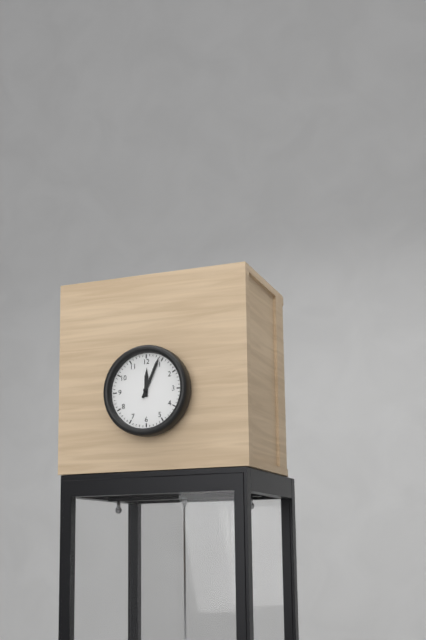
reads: 12,04
